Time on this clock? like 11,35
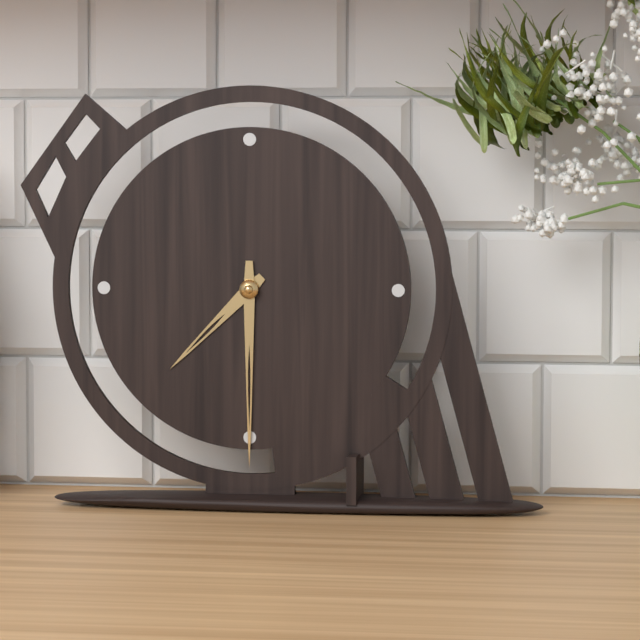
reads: 7,30
